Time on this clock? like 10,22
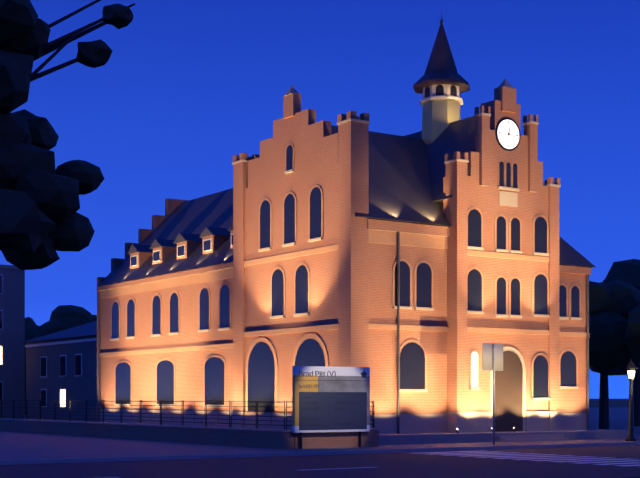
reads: 12,17
